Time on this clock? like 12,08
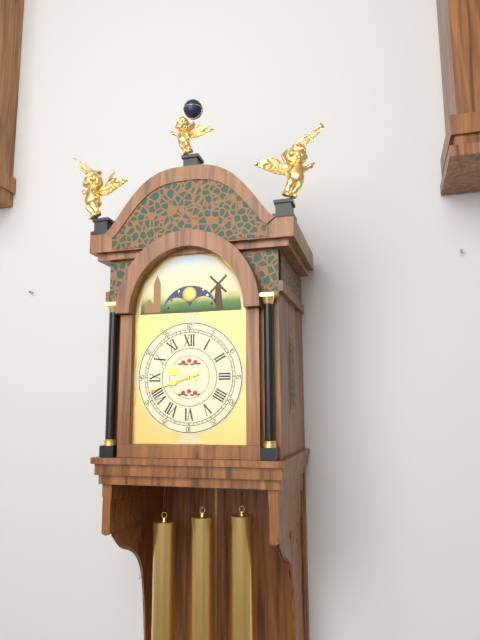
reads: 9,42
